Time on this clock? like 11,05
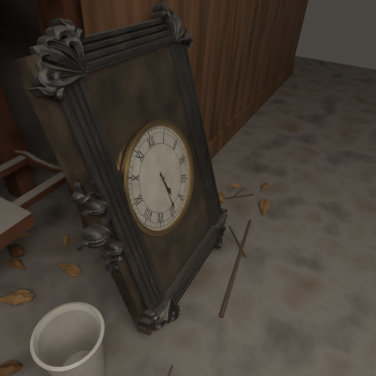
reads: 5,29
